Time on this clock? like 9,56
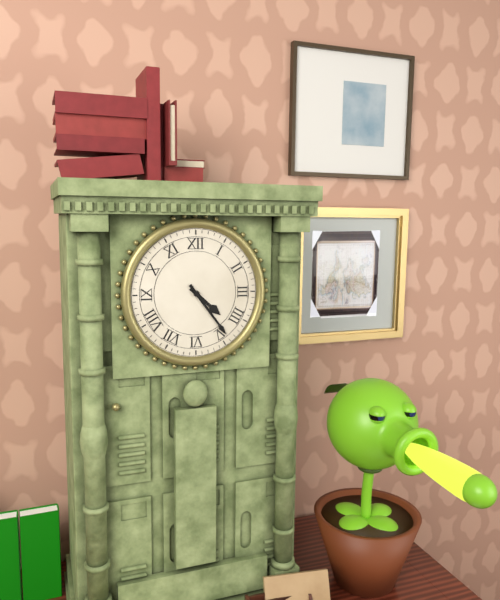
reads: 4,24
